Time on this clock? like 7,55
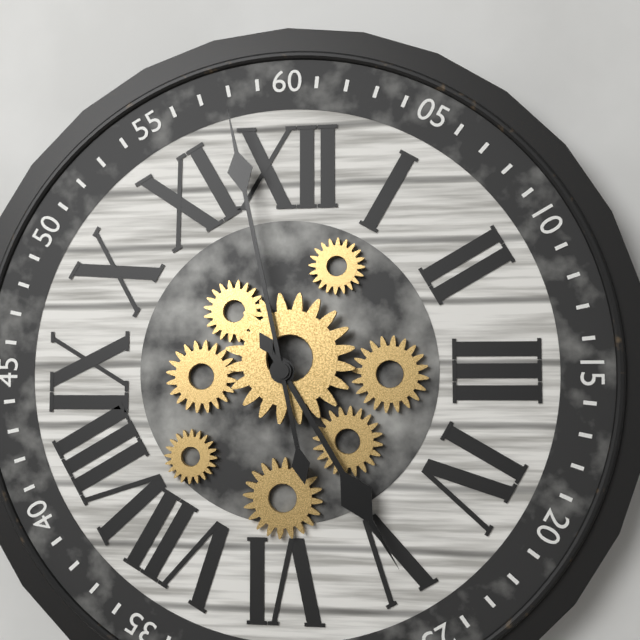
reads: 4,58
